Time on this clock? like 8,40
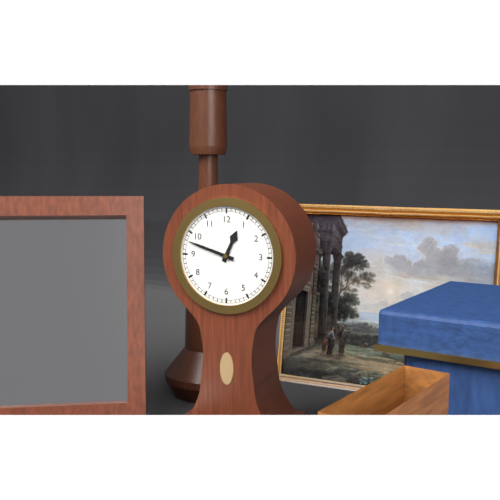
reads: 12,48
